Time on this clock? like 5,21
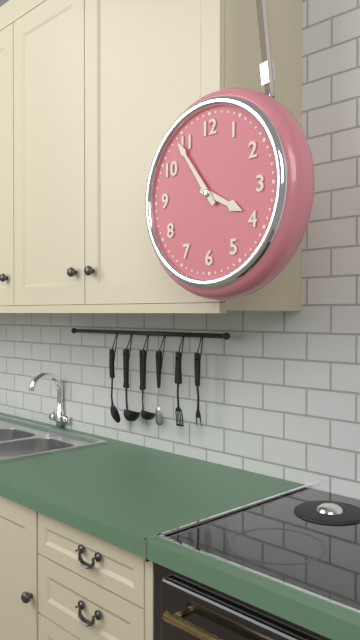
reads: 3,54
